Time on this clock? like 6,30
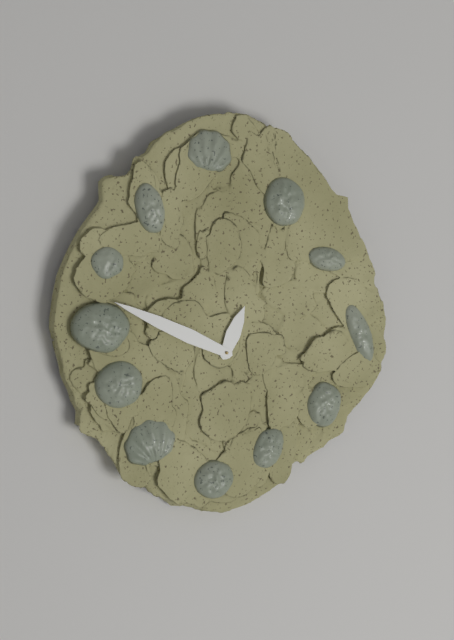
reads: 12,49
